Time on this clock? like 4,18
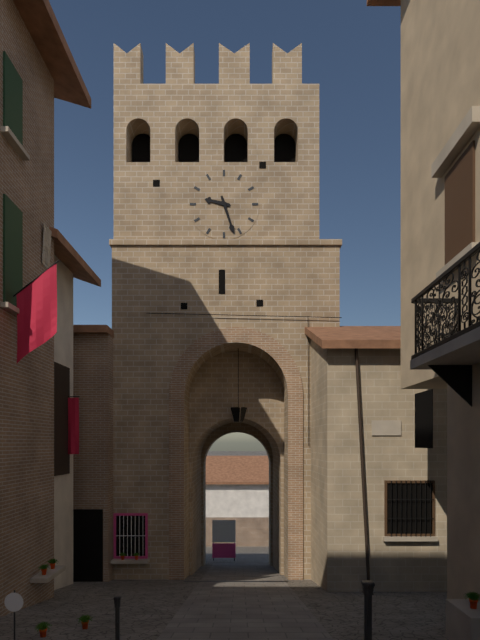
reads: 9,27
